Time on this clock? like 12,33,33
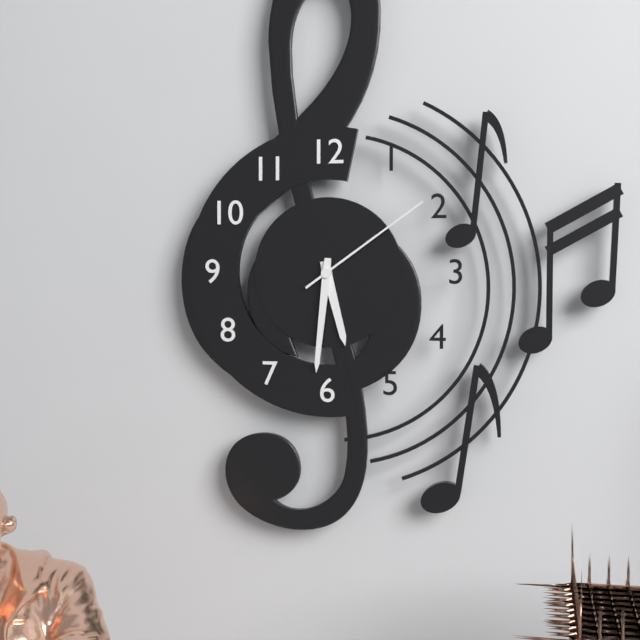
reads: 5,31,09
